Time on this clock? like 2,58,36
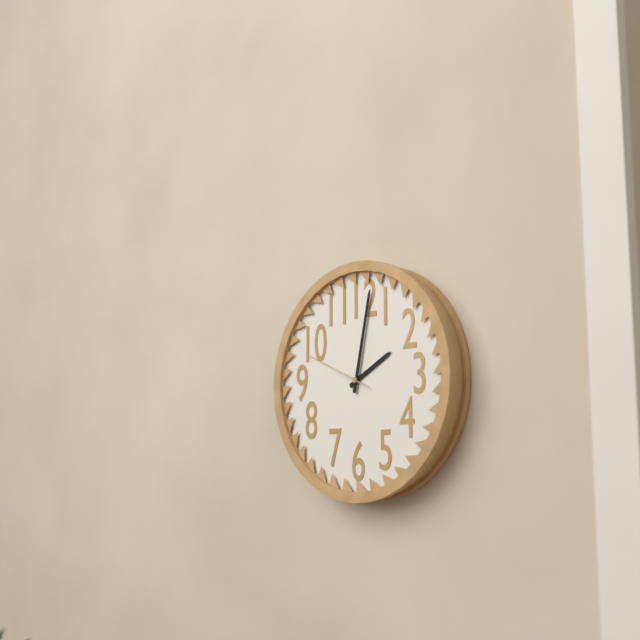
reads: 2,02,49
